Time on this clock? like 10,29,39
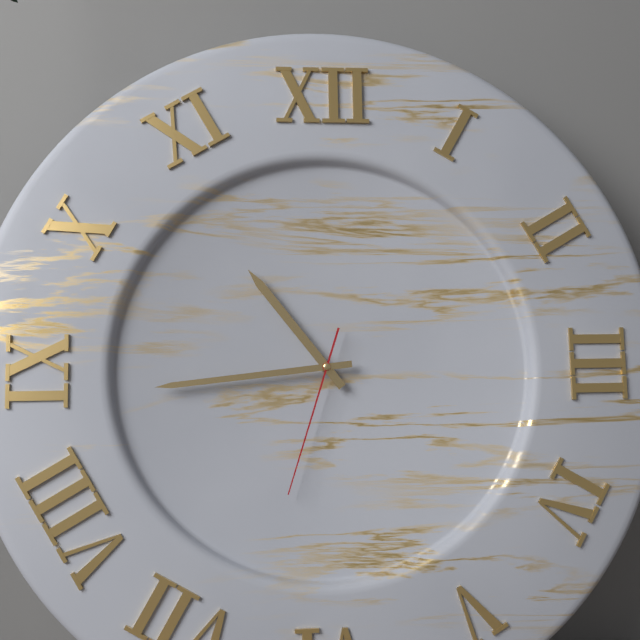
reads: 10,44,33
